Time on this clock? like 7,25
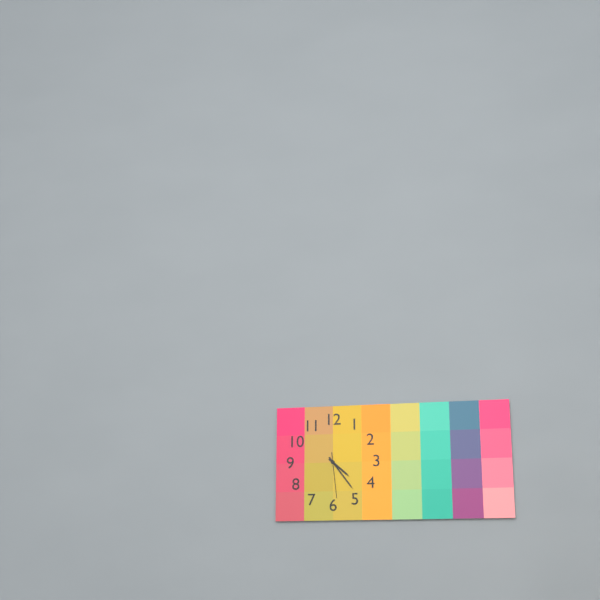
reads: 4,24
